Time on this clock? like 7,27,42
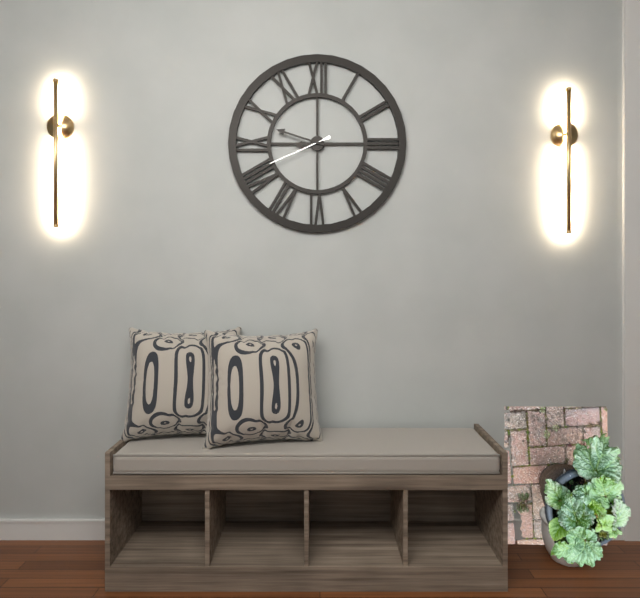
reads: 8,48,41
